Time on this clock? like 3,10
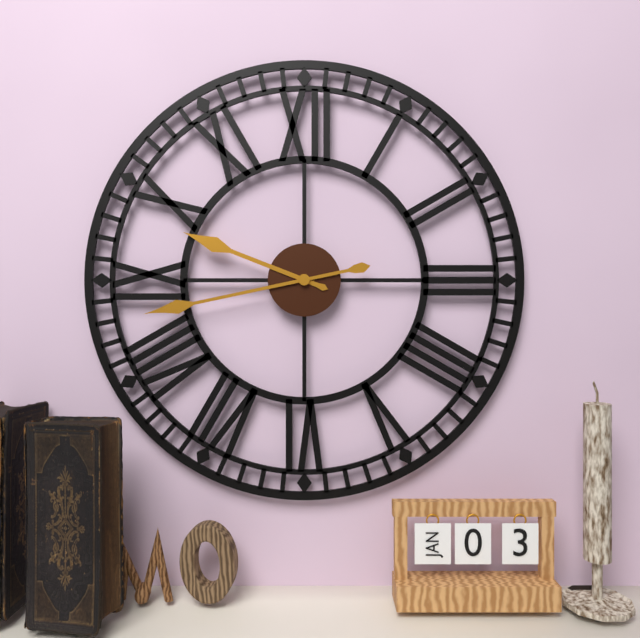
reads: 9,43
